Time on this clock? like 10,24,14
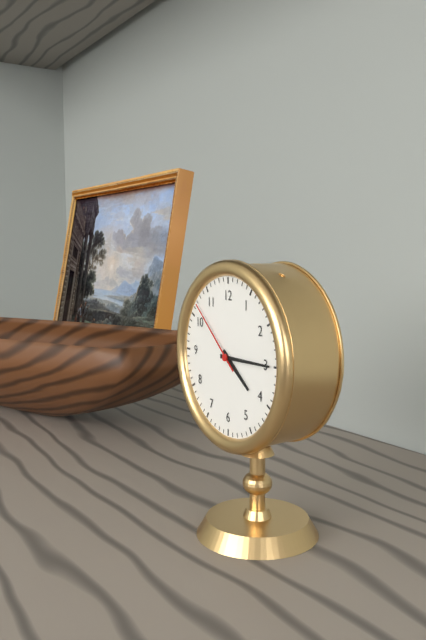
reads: 4,15,52
